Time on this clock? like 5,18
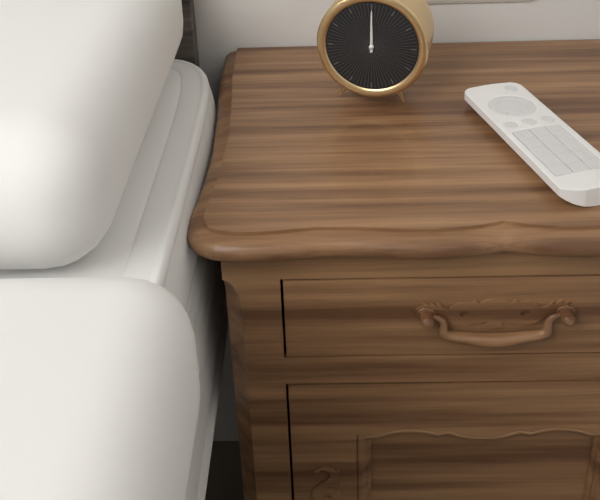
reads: 12,00
